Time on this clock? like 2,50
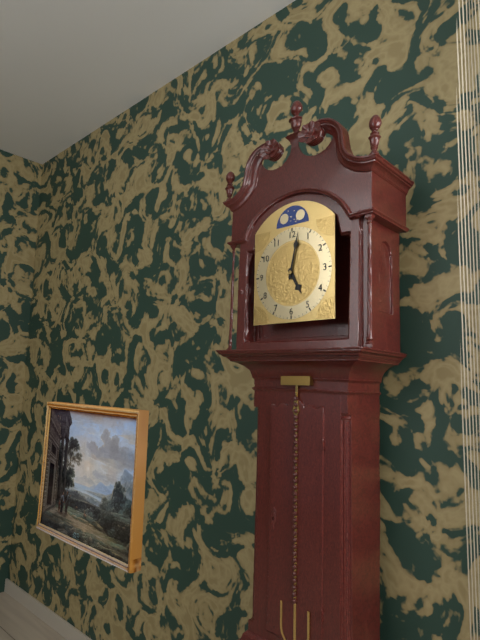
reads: 5,02
